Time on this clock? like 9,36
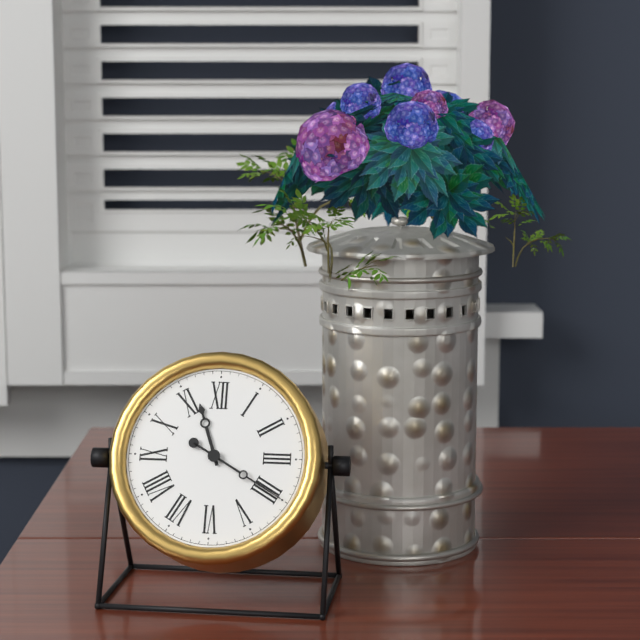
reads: 11,20
